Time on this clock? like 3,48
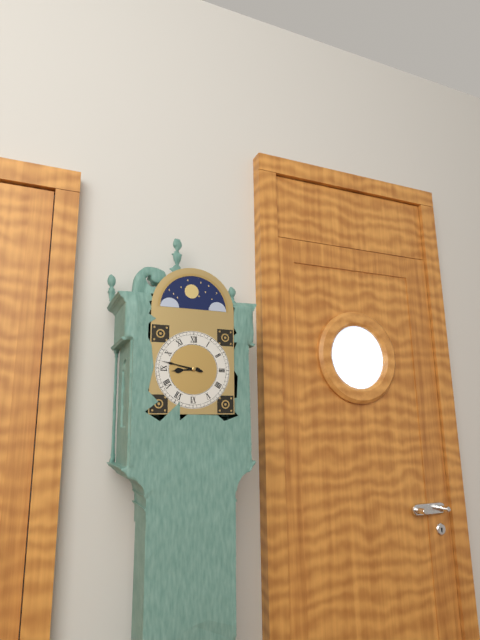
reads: 8,47
